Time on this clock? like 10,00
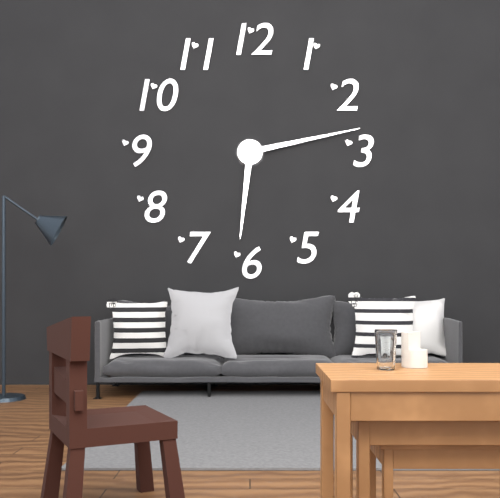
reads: 6,13
